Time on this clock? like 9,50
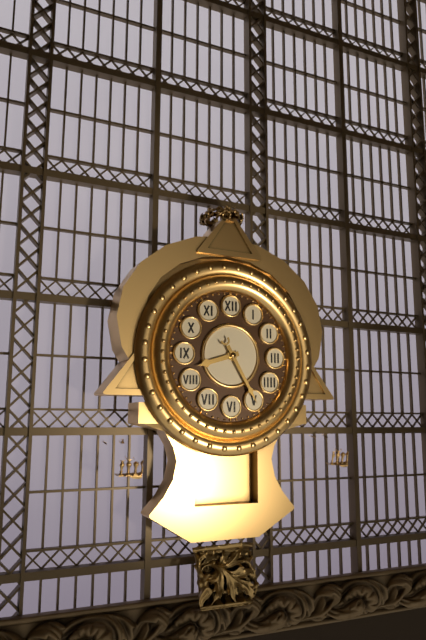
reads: 8,25
